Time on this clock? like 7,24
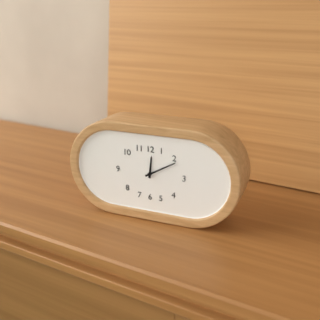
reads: 12,10
